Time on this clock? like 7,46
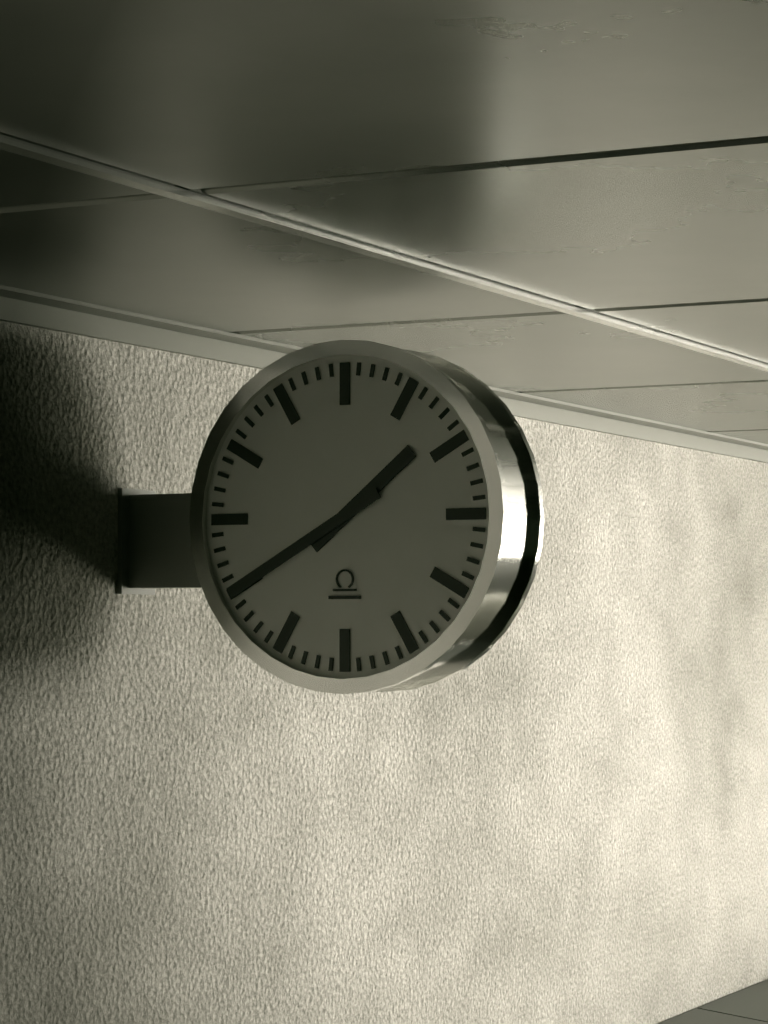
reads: 1,40
